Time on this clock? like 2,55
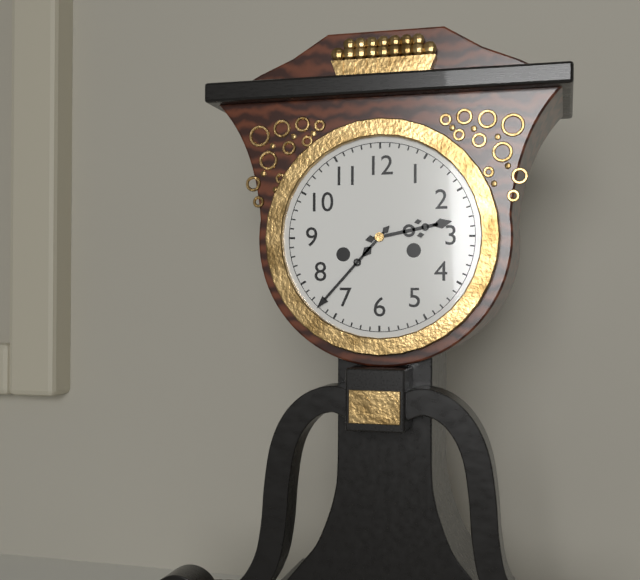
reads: 2,37
